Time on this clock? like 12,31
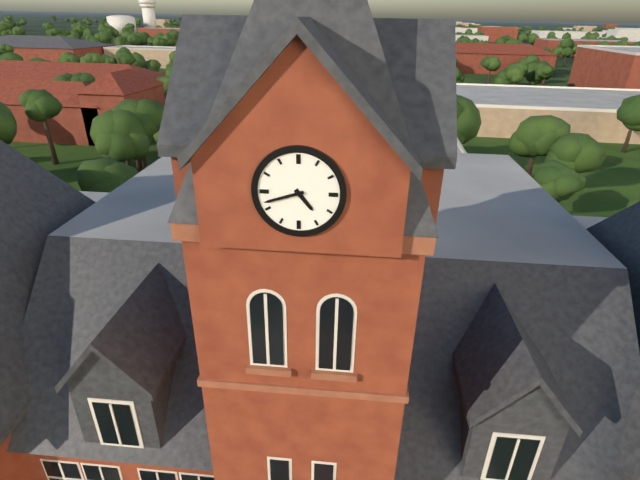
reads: 4,42
